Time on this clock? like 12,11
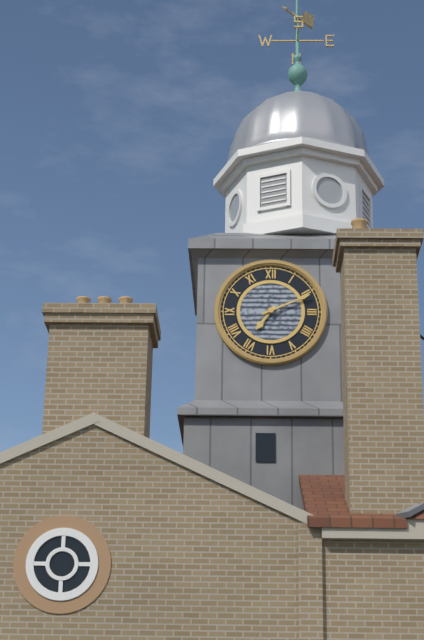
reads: 7,11
